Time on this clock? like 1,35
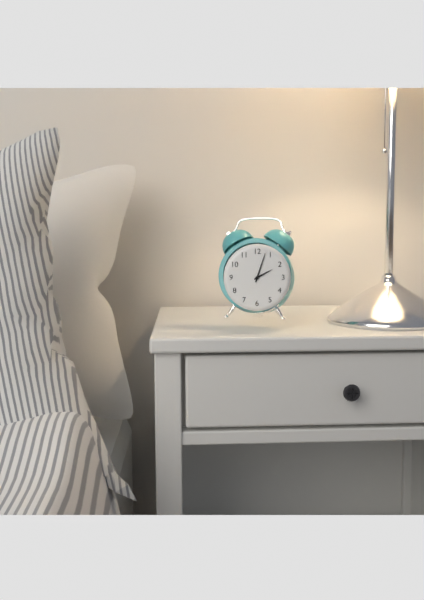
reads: 2,03
